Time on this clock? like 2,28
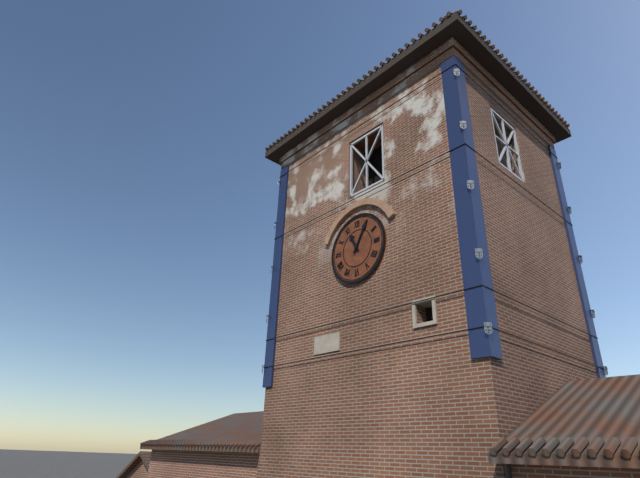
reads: 11,05
